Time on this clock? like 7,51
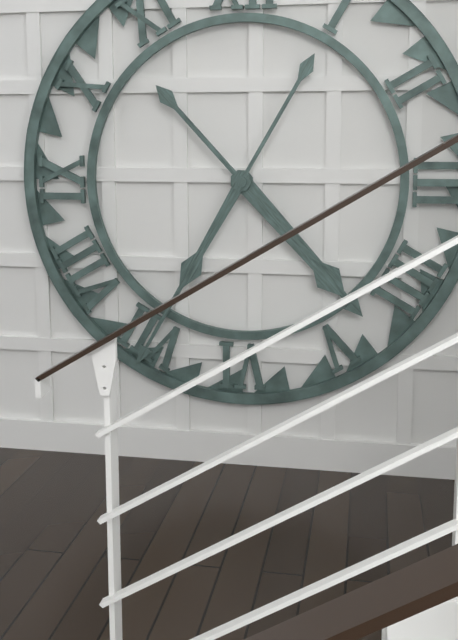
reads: 4,35
